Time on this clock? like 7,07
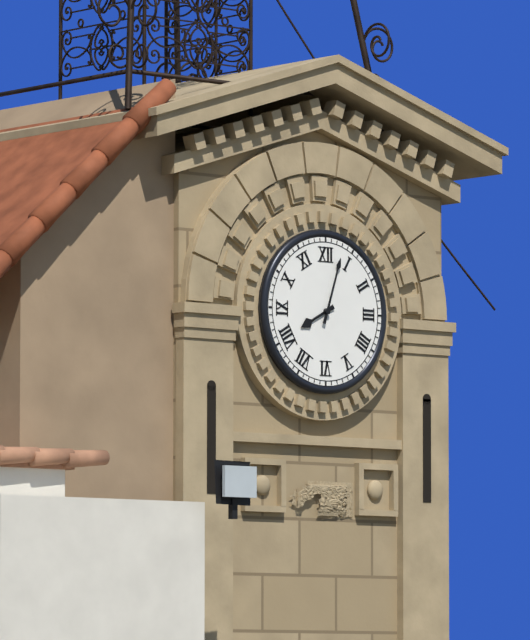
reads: 8,03
